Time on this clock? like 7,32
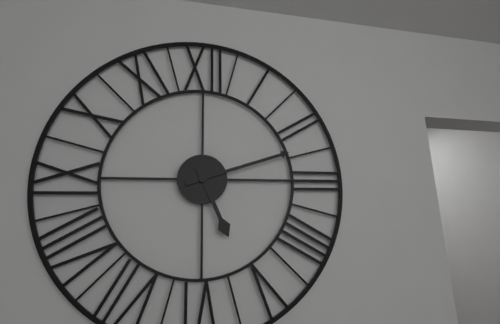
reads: 5,12
